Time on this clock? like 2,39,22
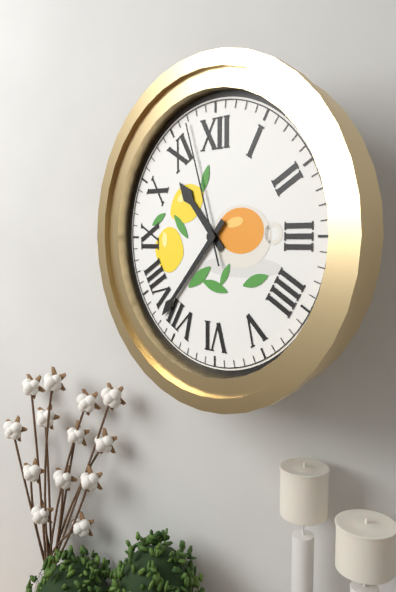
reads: 10,37,57
